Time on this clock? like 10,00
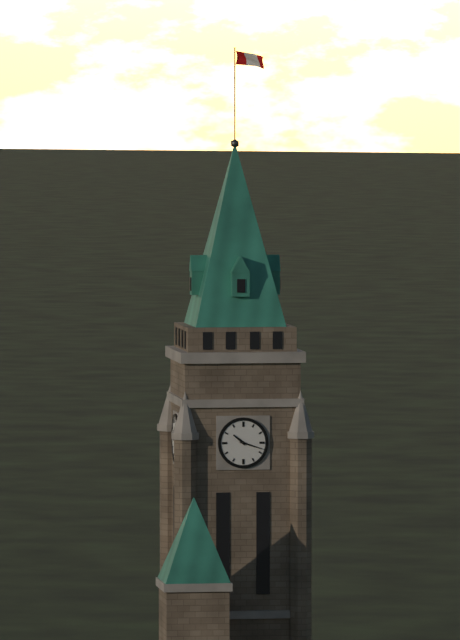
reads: 10,18
